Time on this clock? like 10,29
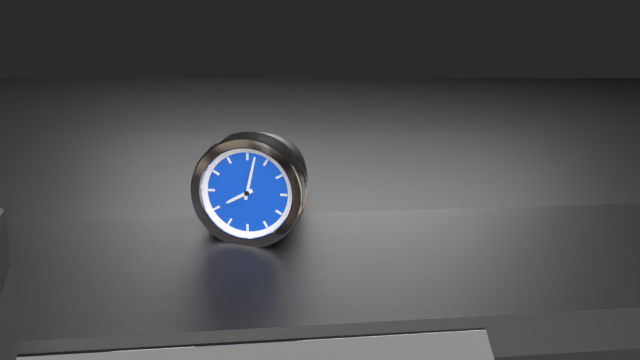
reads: 8,02
